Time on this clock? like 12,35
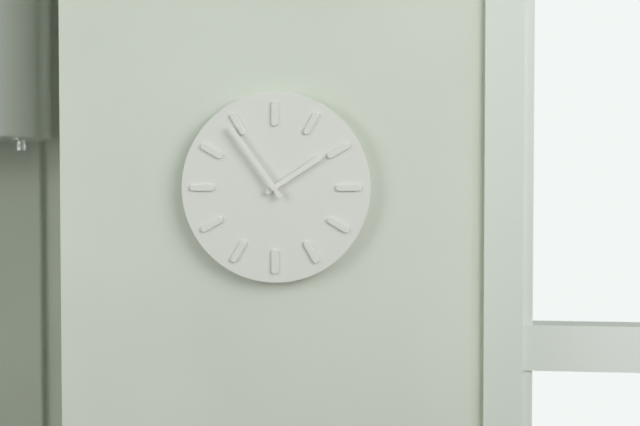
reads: 1,54
